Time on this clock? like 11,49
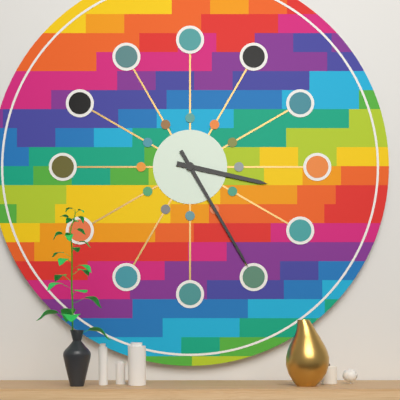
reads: 3,25
